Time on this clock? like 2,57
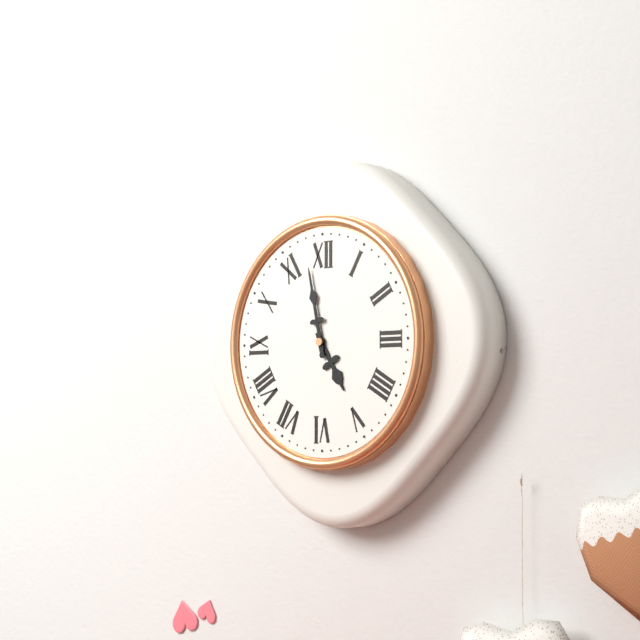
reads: 4,58
